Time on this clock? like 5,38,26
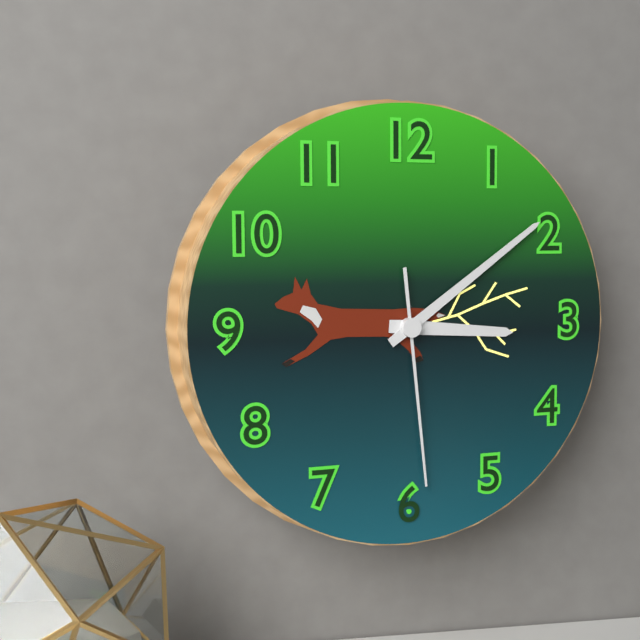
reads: 3,09,29
